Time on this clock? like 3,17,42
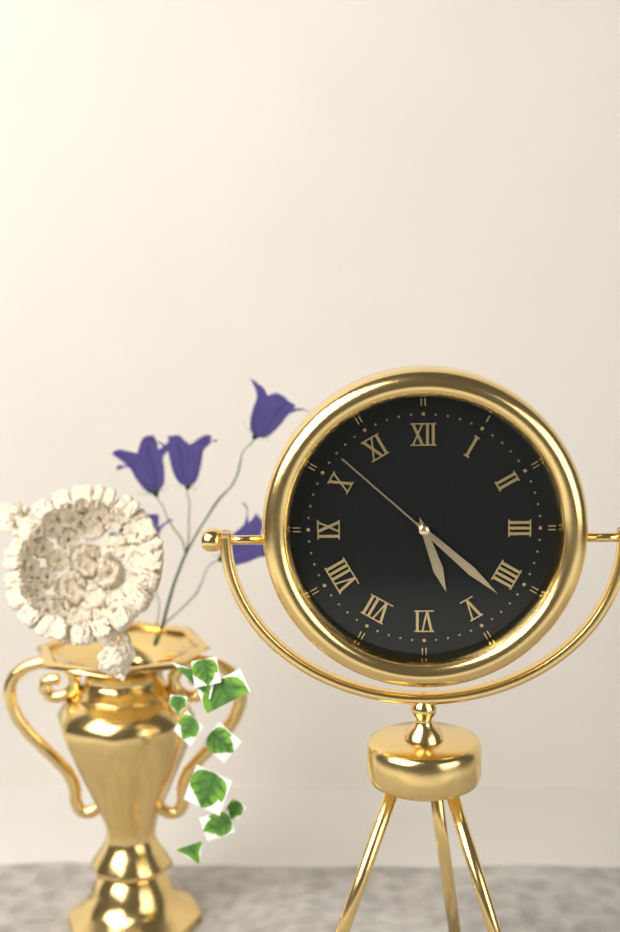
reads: 5,22,52
